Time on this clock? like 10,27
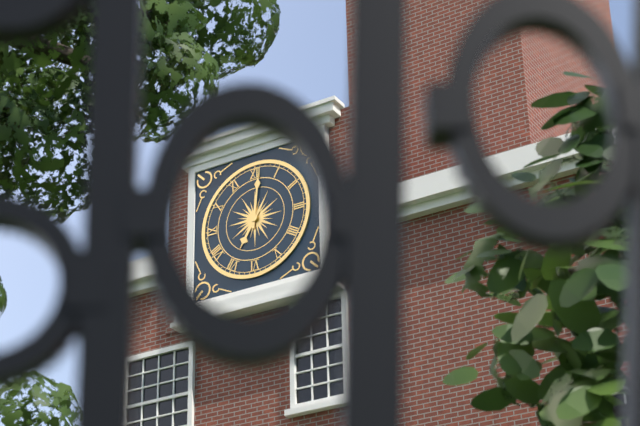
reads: 7,01
